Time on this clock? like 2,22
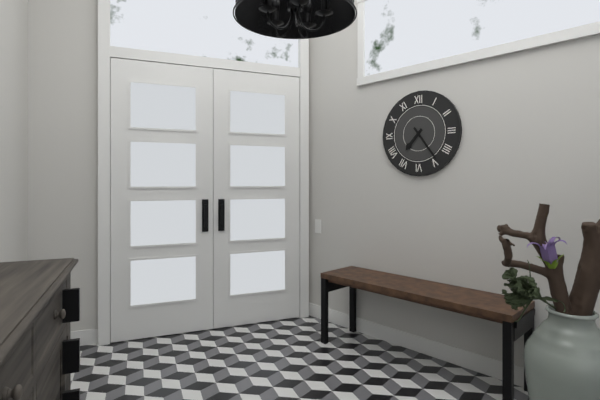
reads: 7,24
